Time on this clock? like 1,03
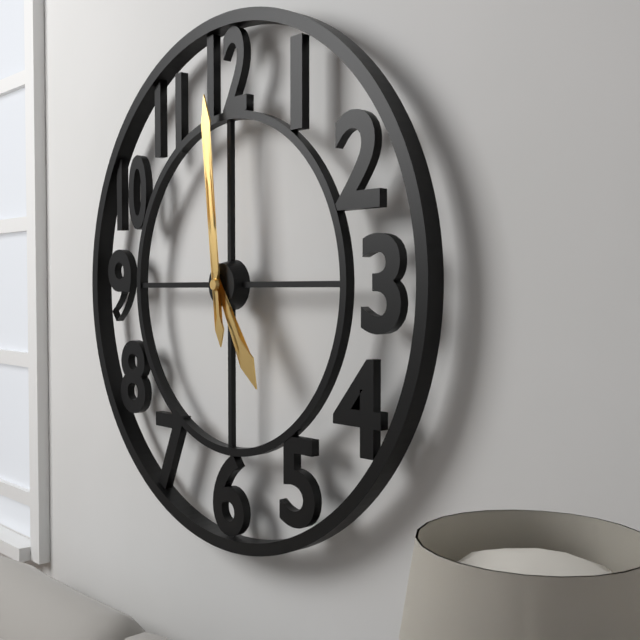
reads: 4,59
